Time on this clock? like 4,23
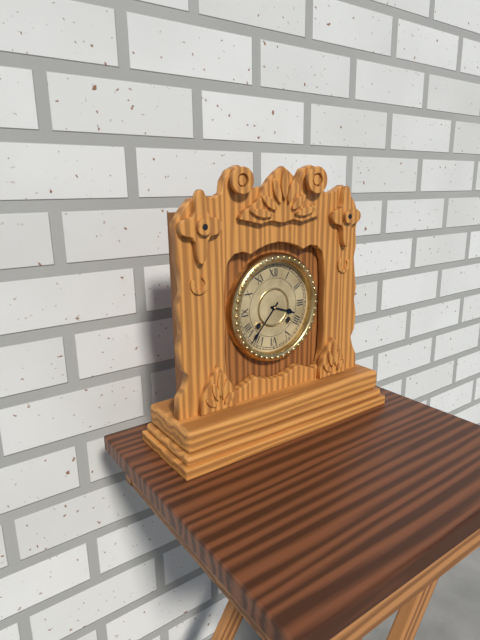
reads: 3,37
